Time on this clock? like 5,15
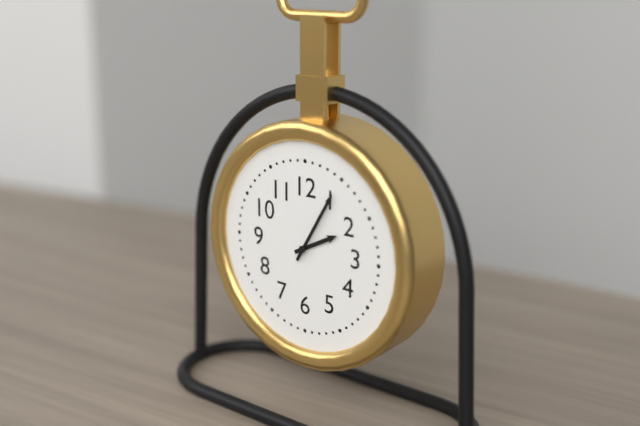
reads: 2,05
